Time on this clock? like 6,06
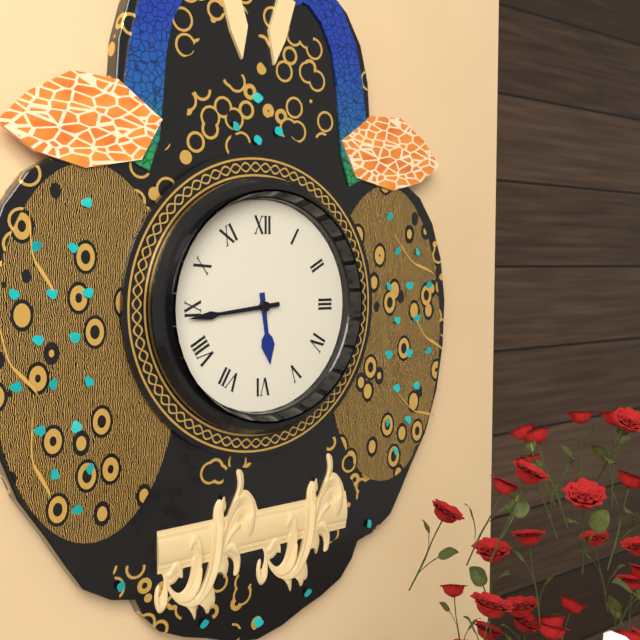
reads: 5,44
